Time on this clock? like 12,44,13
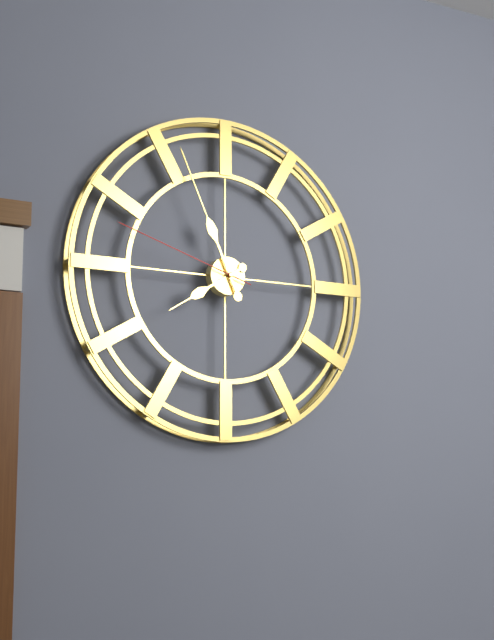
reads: 7,56,48
